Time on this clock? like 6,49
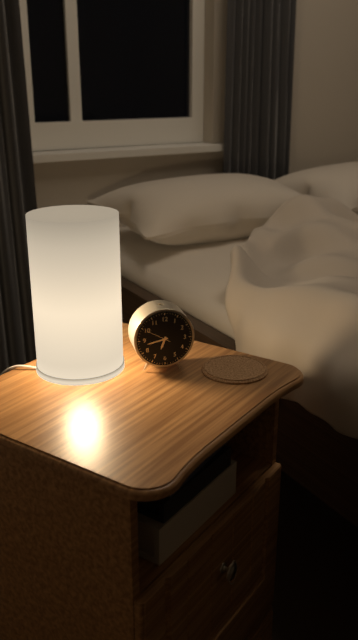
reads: 6,43
